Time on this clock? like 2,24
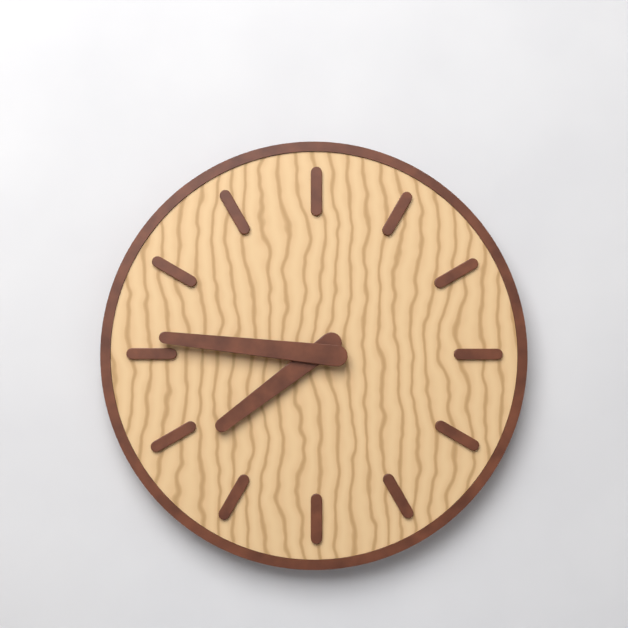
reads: 7,46
